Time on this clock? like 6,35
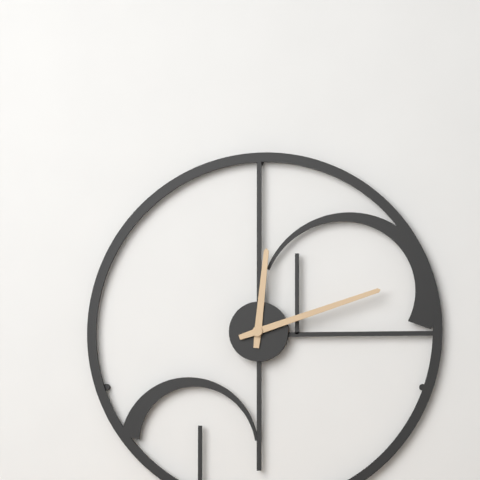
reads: 12,12
